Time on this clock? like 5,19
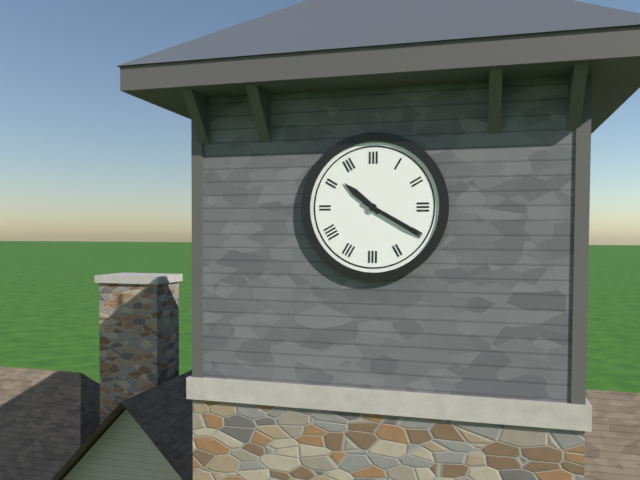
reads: 10,20
